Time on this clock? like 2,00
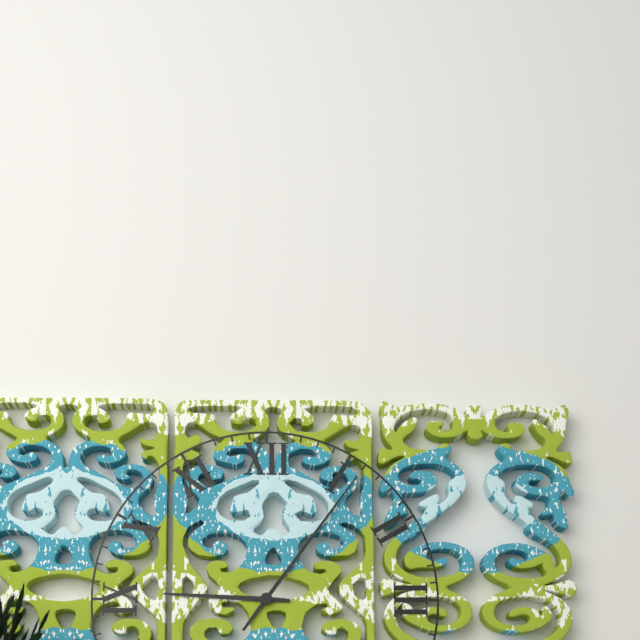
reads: 9,06
